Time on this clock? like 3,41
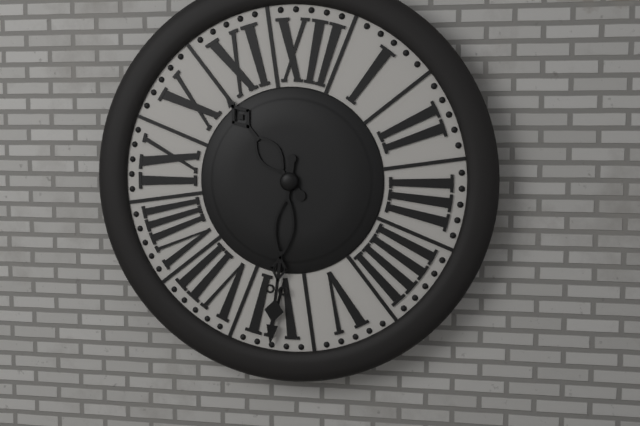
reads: 10,30
